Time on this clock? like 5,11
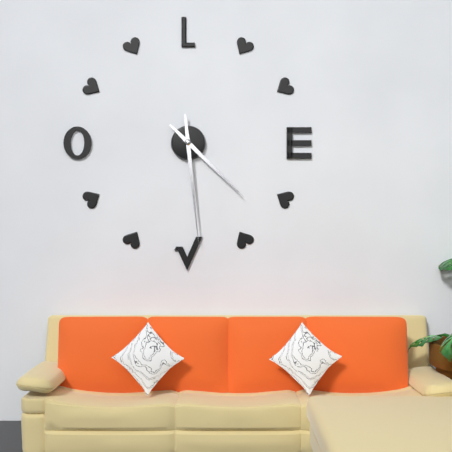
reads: 4,29
